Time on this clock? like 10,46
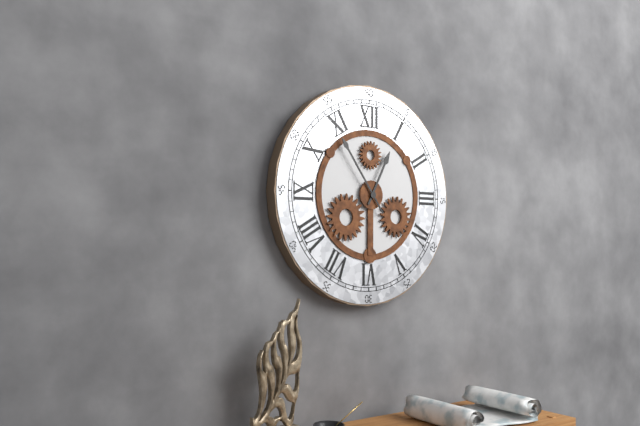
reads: 12,54
